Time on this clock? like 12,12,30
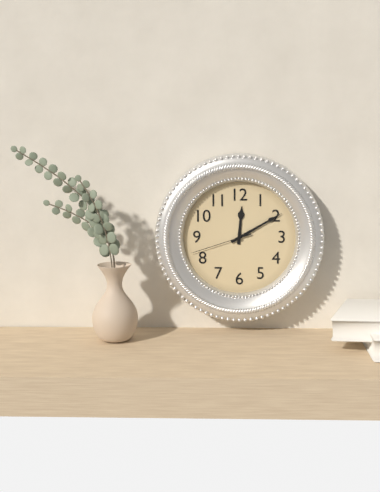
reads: 12,10,42
